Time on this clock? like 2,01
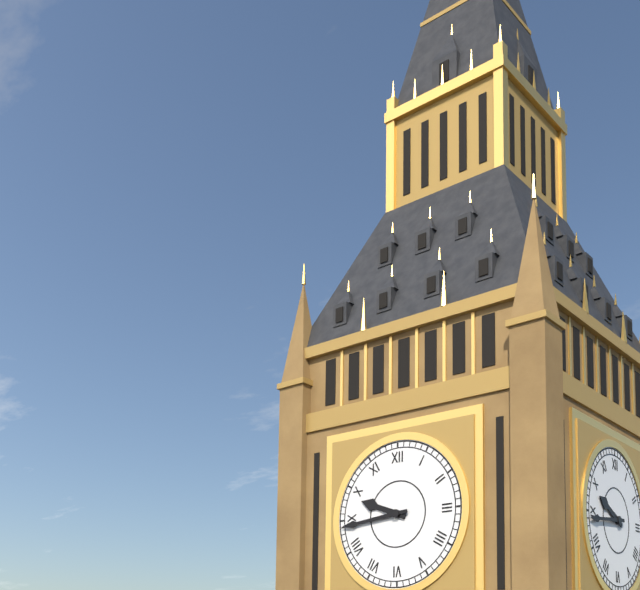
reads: 9,44
